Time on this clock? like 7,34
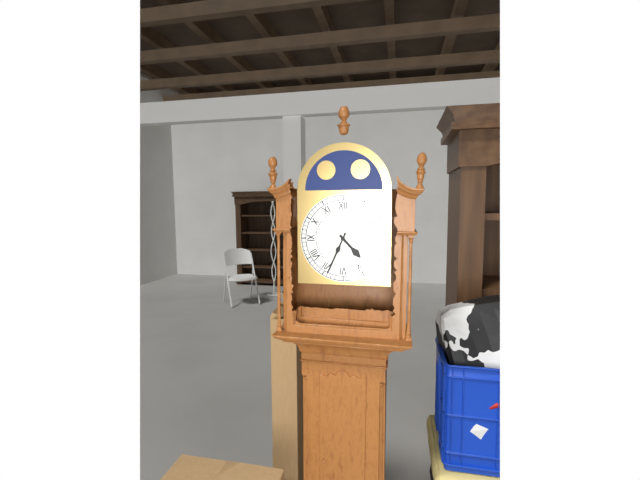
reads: 4,34
